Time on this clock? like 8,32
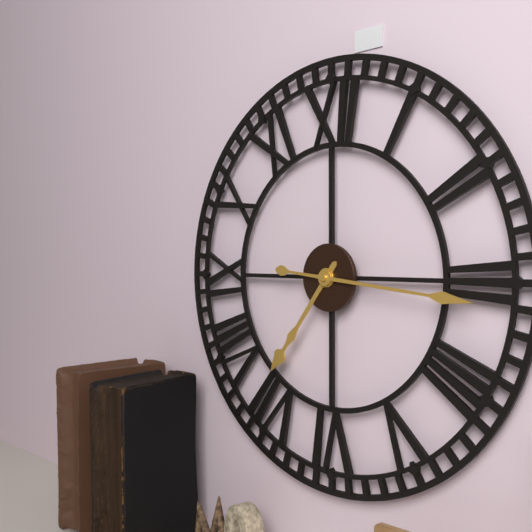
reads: 7,16
